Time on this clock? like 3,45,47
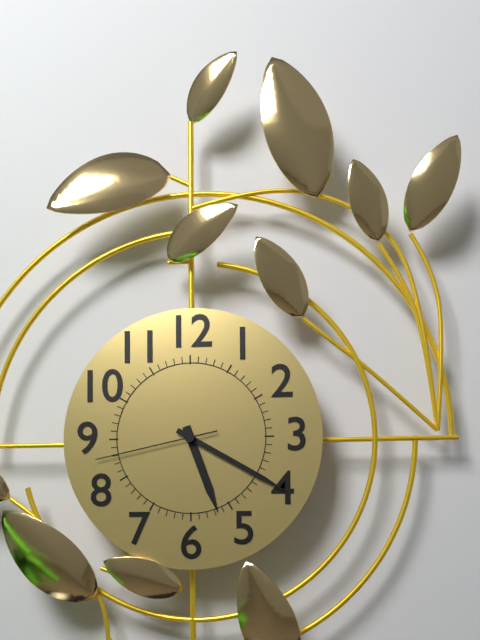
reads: 5,20,43
